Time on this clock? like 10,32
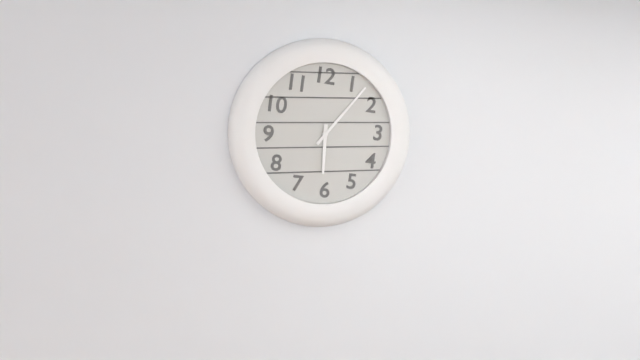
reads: 6,07
